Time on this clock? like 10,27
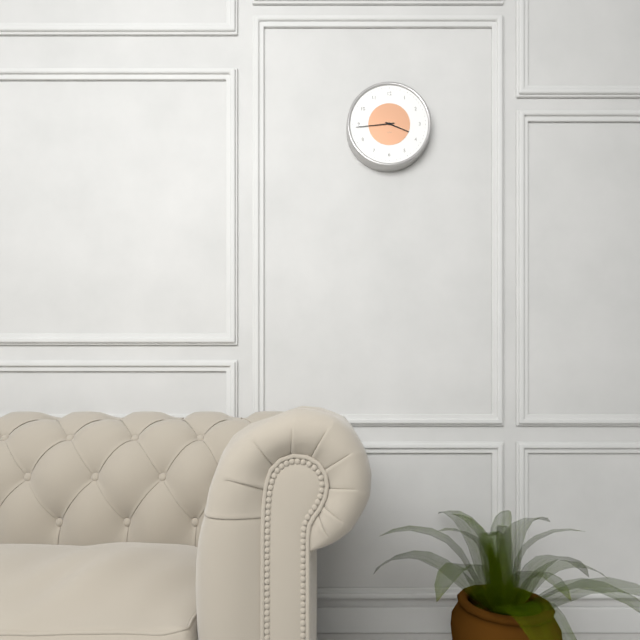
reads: 3,44
